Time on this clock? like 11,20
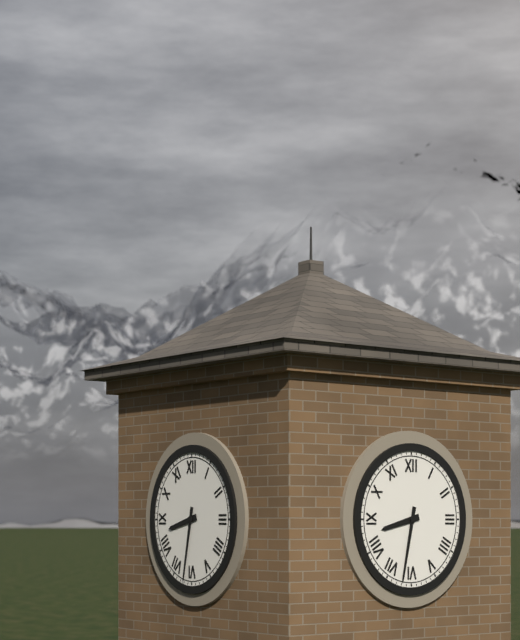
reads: 8,32
